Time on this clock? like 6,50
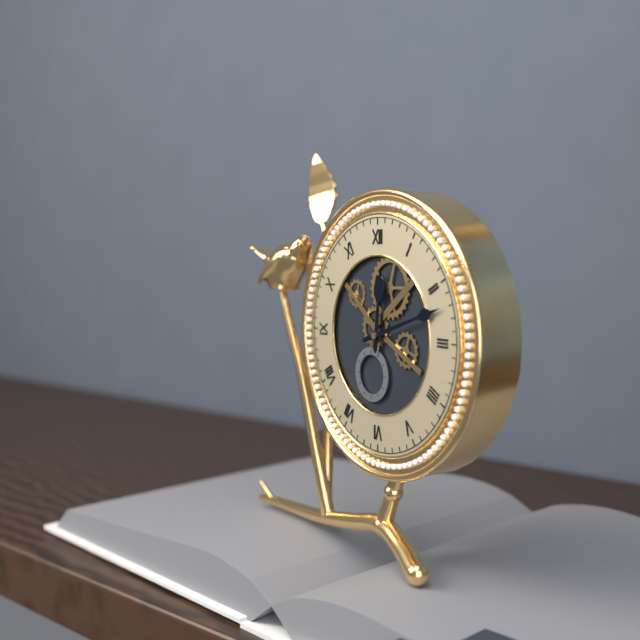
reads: 12,12
